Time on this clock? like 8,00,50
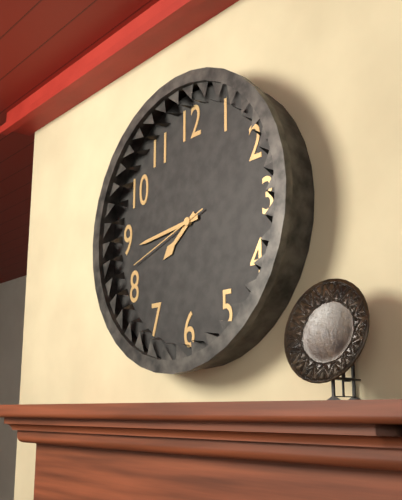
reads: 7,44,42
